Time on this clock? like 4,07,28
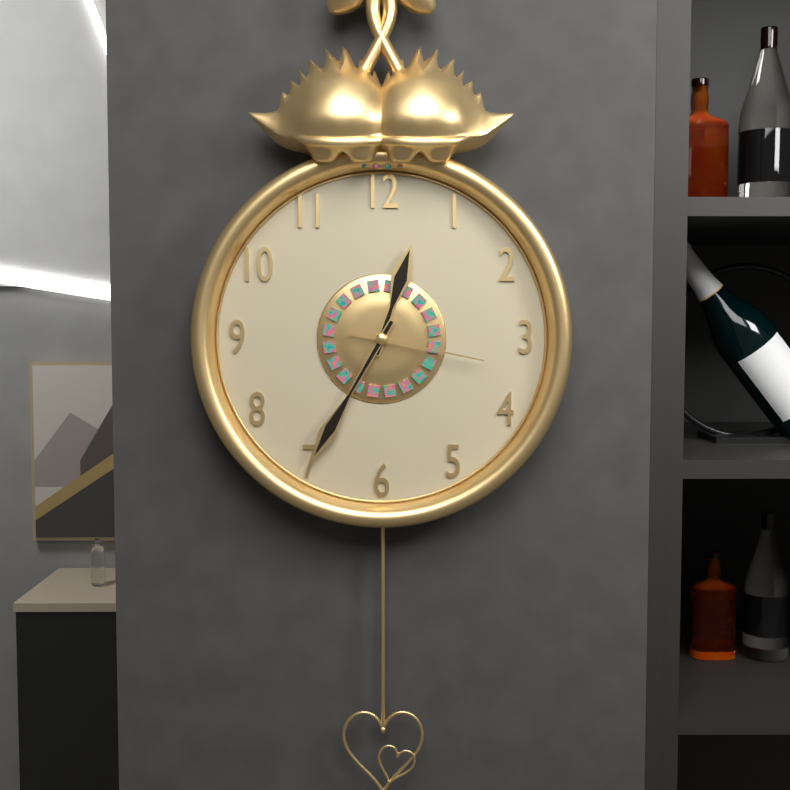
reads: 12,35,17
